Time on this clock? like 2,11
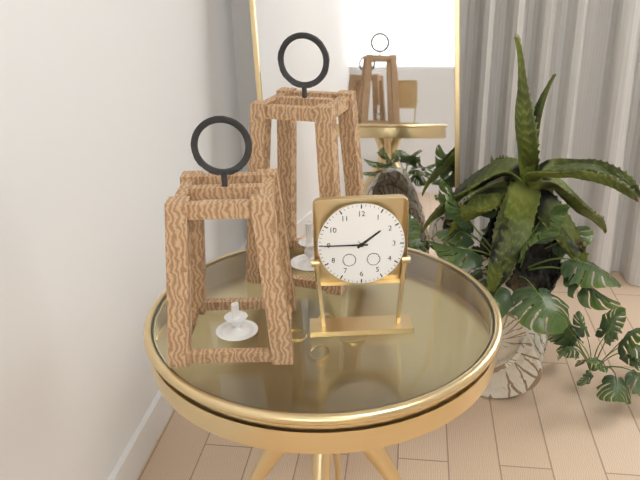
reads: 1,45
